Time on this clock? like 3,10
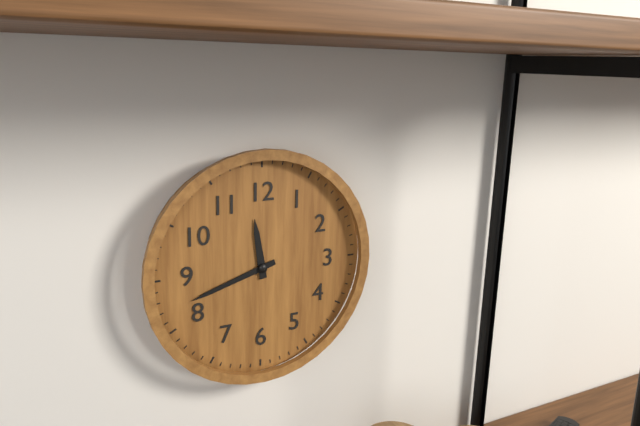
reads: 11,42
